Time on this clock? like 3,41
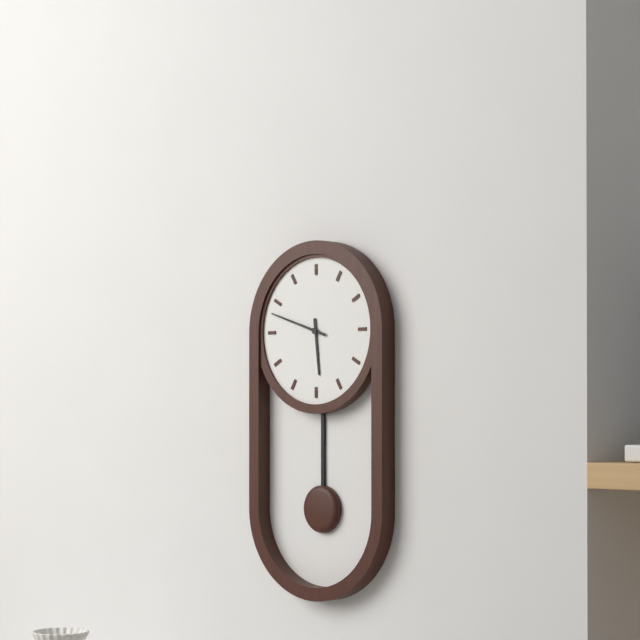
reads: 5,48
